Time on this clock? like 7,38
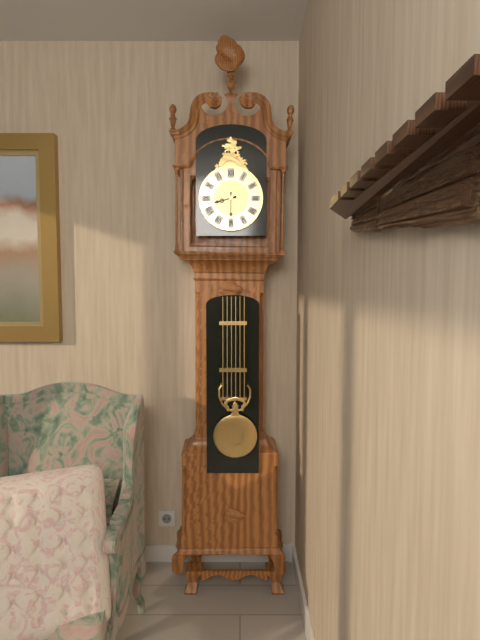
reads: 8,30
